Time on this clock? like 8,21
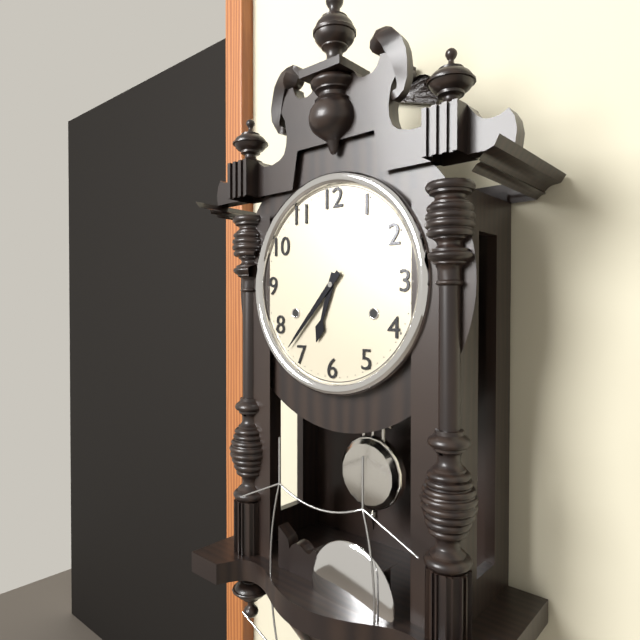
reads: 6,37
